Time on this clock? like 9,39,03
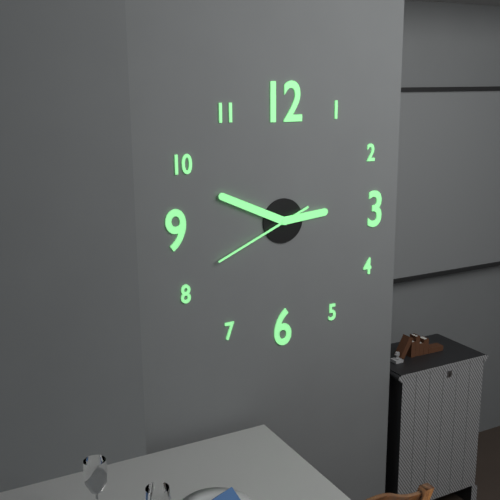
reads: 2,49,41
